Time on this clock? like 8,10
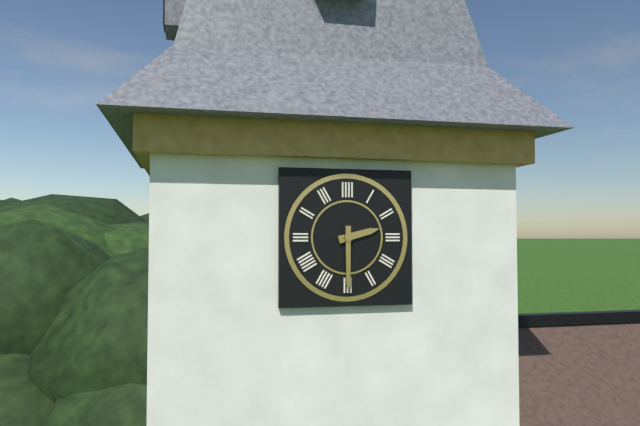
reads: 2,30
